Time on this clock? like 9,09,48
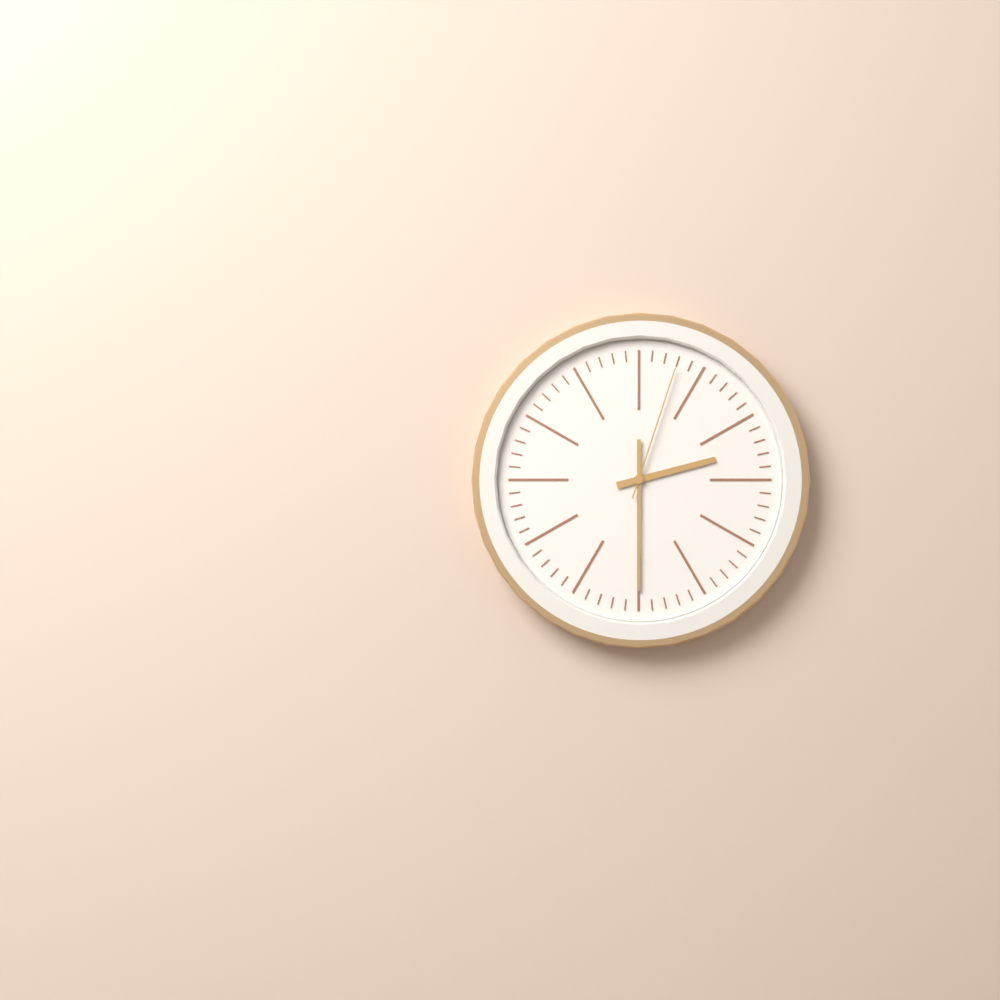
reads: 2,30,03
